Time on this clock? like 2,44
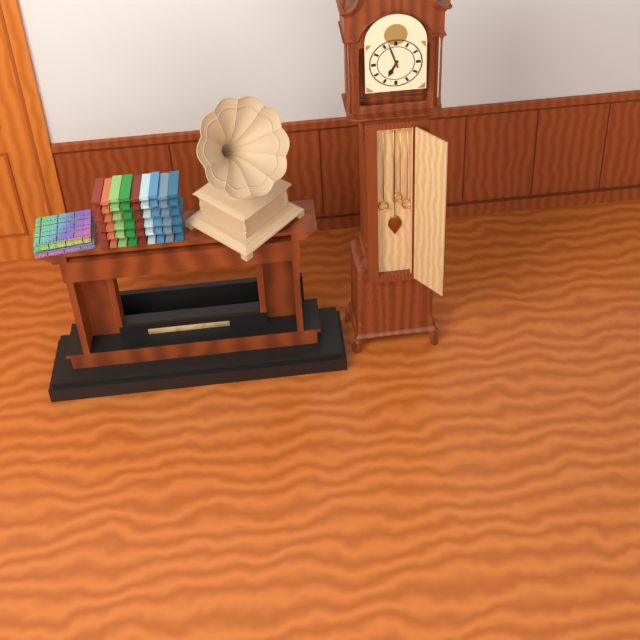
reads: 6,57
